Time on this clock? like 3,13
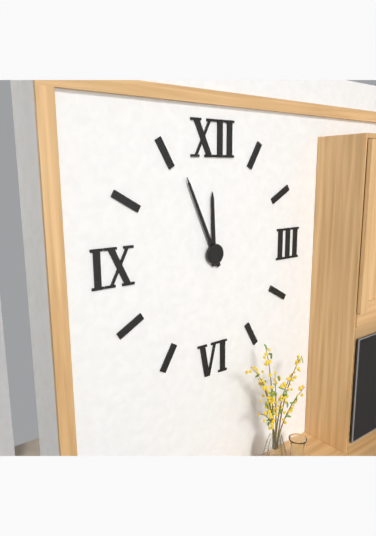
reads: 11,56
